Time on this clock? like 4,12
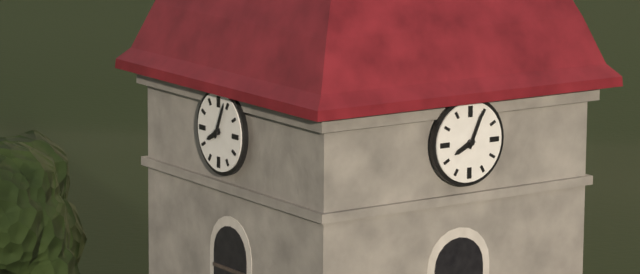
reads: 8,04
